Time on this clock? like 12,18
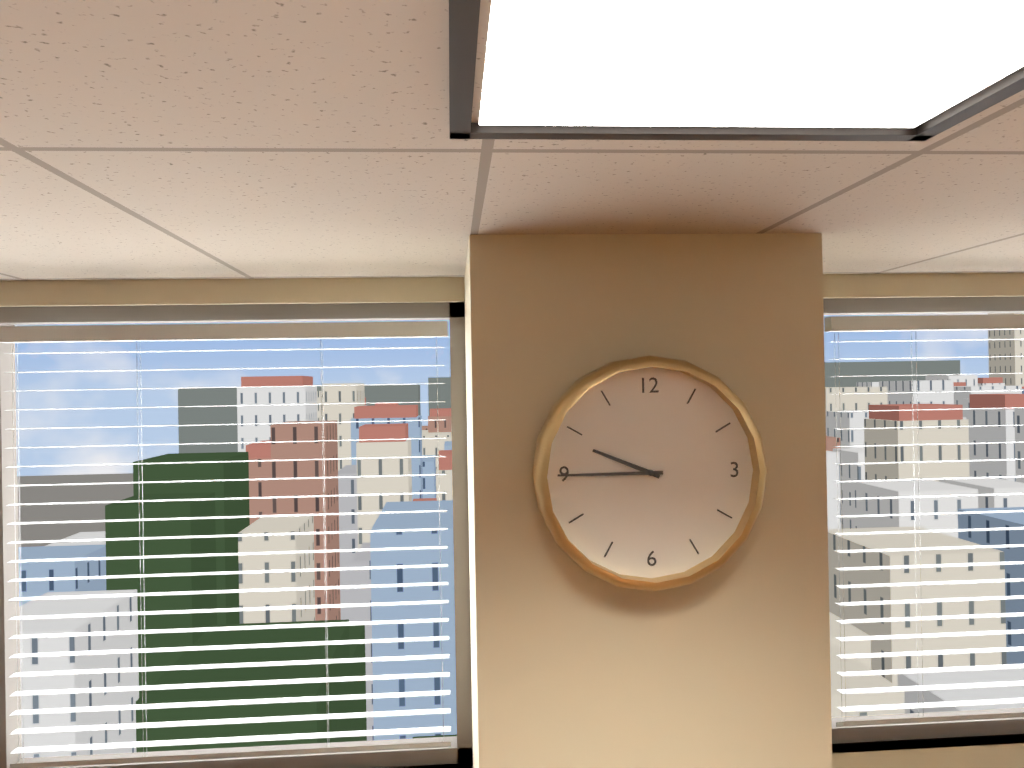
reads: 9,45
